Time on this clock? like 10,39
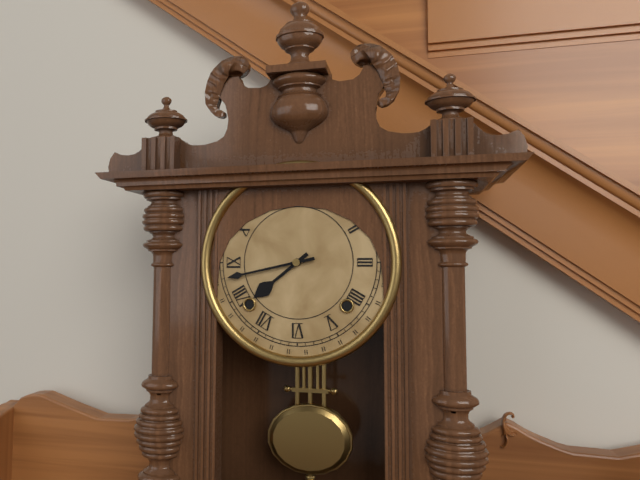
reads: 7,43
